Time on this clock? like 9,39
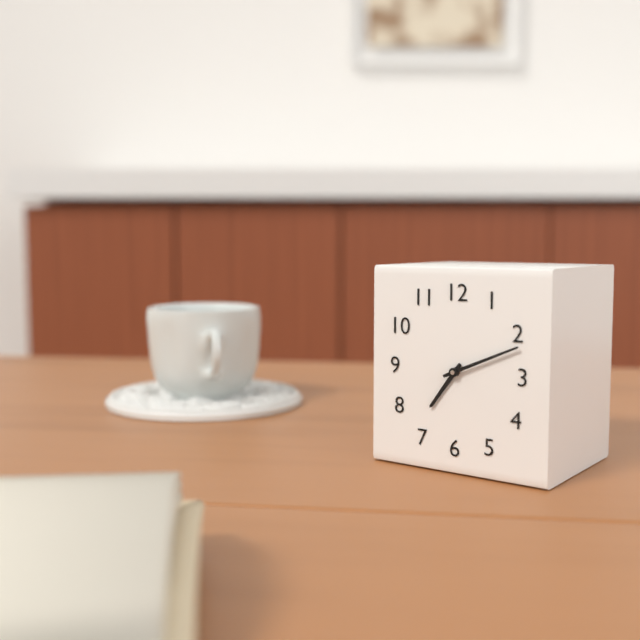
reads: 7,11
